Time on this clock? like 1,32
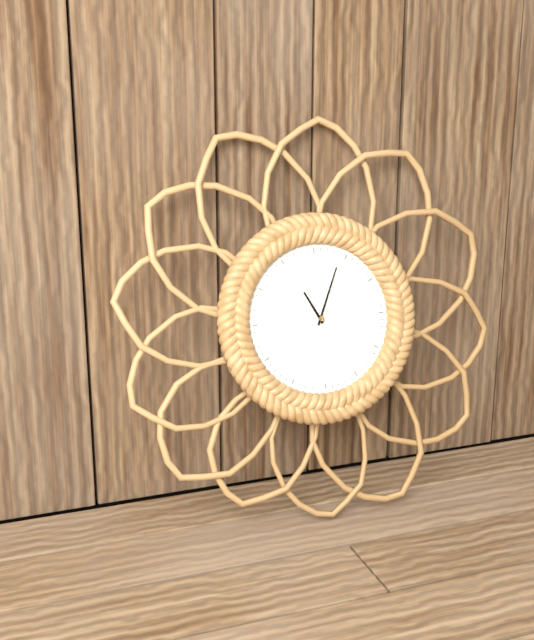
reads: 11,04
